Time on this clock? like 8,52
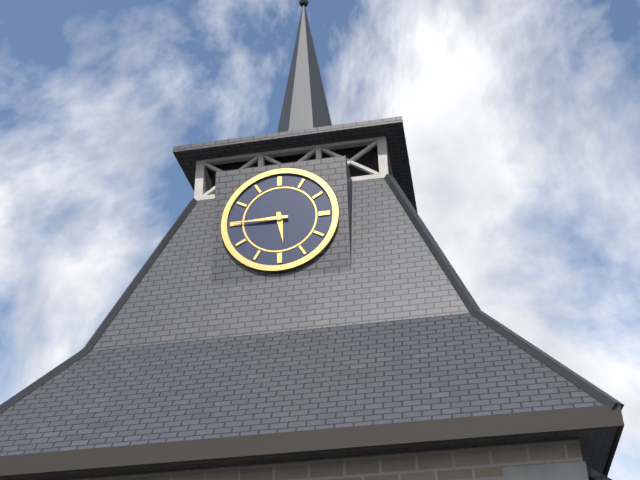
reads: 5,45
